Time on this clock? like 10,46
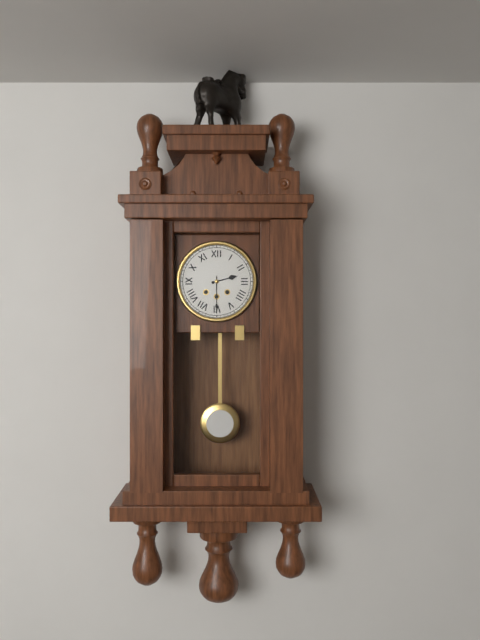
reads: 2,30
